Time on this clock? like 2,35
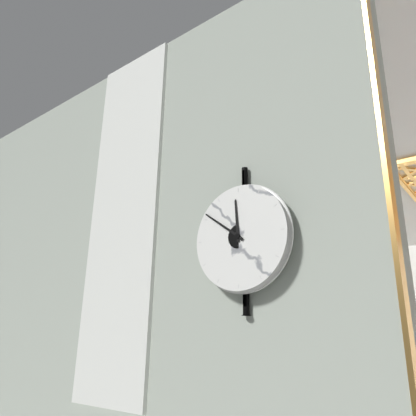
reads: 11,51
